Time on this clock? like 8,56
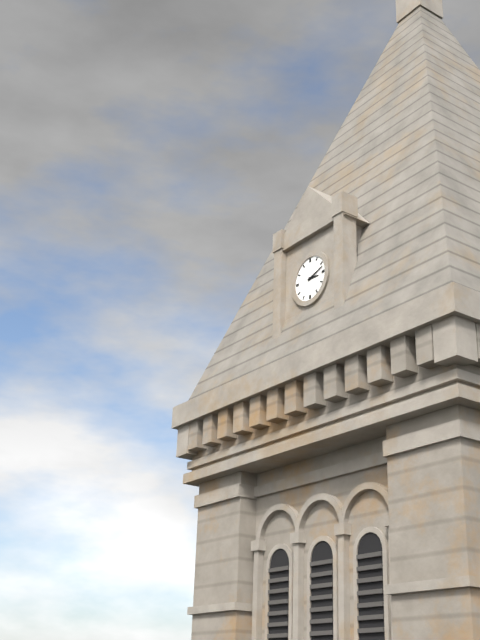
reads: 3,12
